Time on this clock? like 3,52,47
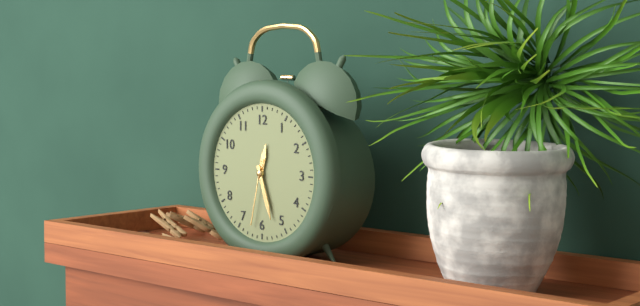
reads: 12,27,32
